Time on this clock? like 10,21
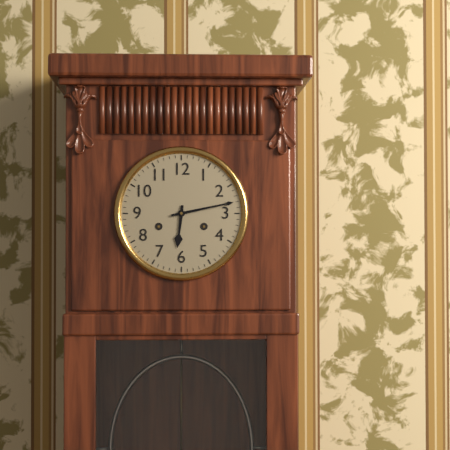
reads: 6,13
